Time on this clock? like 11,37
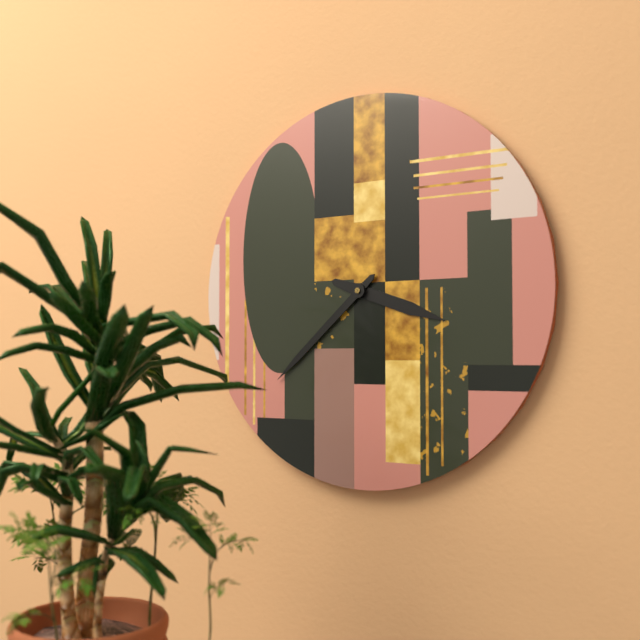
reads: 3,38
